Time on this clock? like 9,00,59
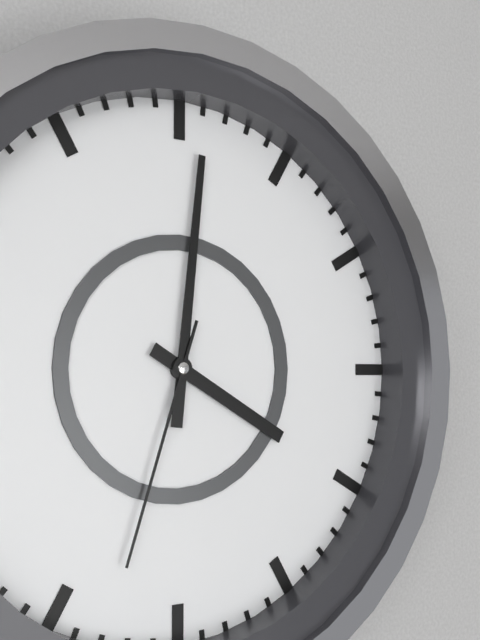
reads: 4,01,33
